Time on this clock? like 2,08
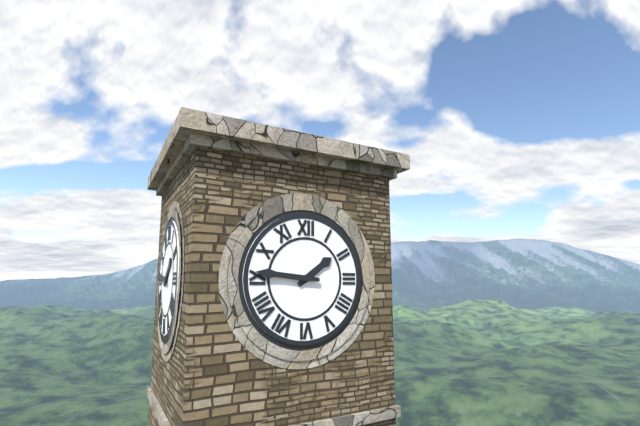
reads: 1,46
